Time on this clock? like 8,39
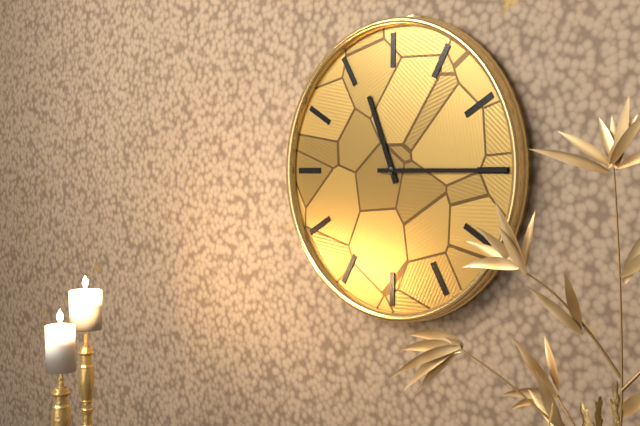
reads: 11,15
